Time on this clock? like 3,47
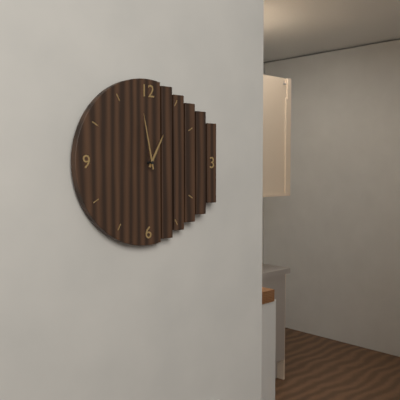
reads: 12,58
